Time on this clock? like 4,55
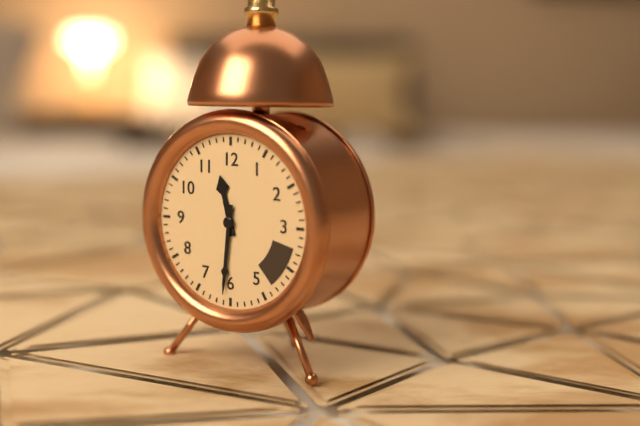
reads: 11,31
